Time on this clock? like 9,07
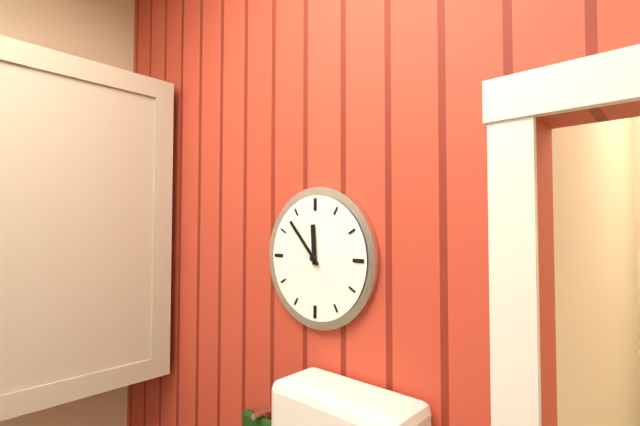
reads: 11,53
